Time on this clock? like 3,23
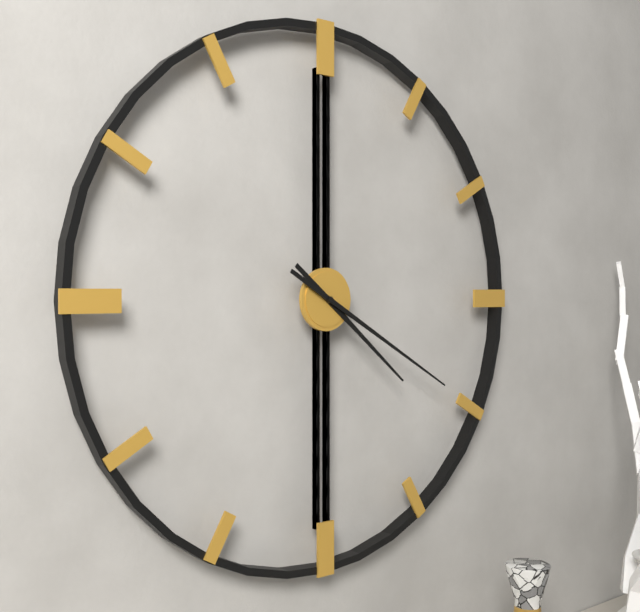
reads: 4,20
